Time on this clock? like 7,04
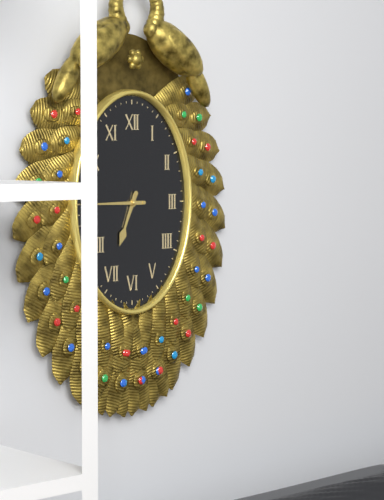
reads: 6,45
